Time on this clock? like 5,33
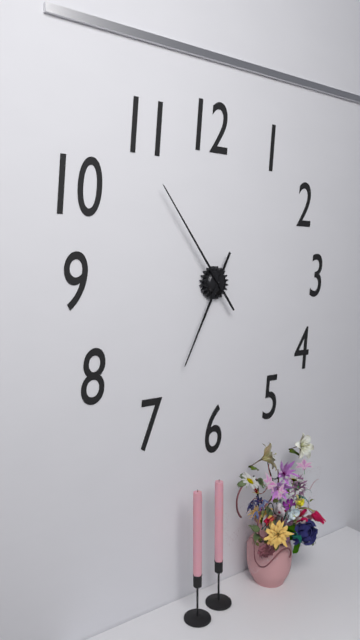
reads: 6,54
